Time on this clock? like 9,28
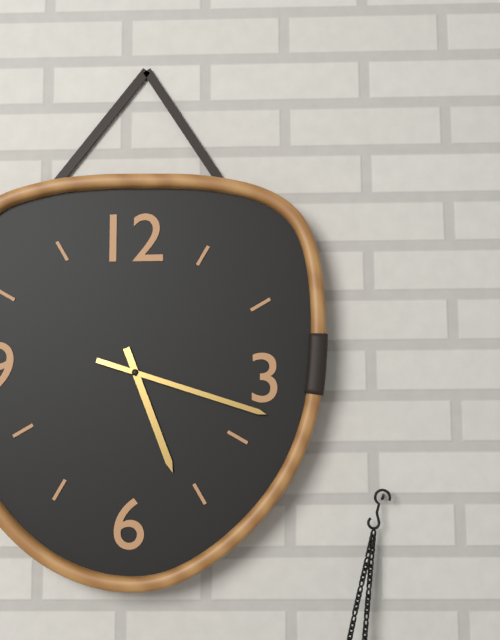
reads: 5,18
